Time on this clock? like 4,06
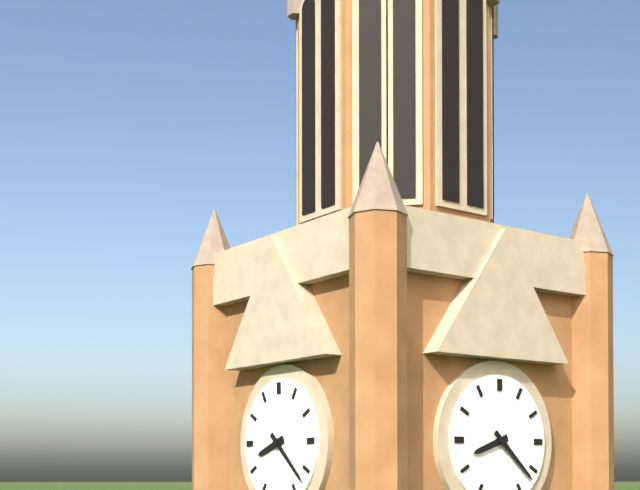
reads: 8,22
